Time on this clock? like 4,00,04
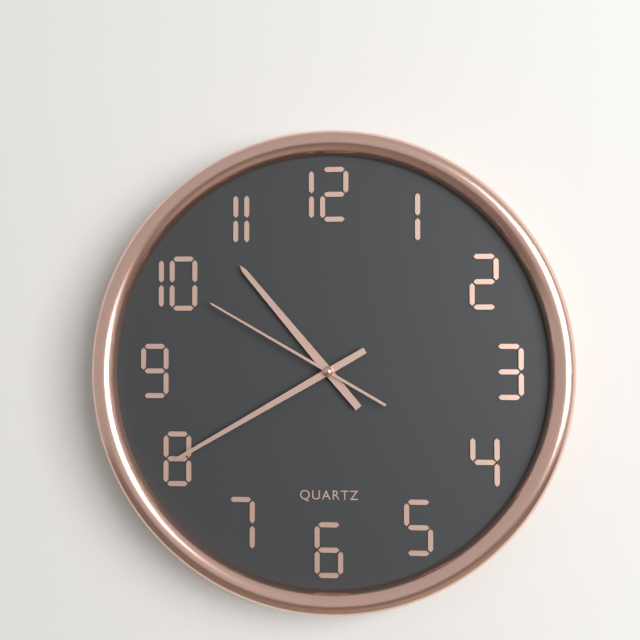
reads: 10,40,50
